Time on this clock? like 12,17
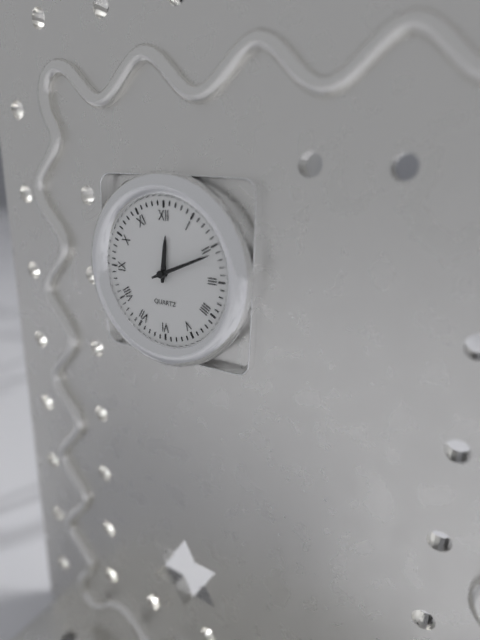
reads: 12,11
